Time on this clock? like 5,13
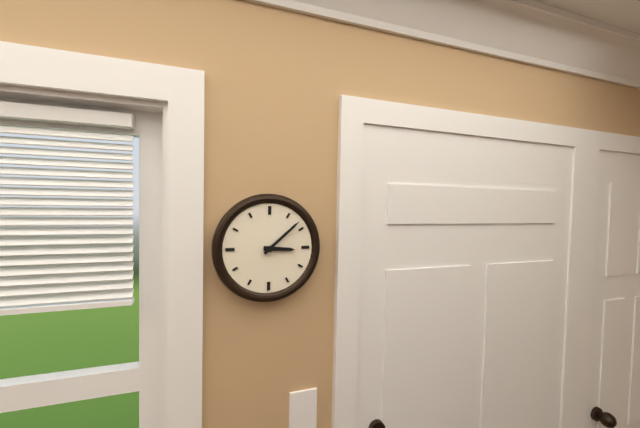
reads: 3,08
